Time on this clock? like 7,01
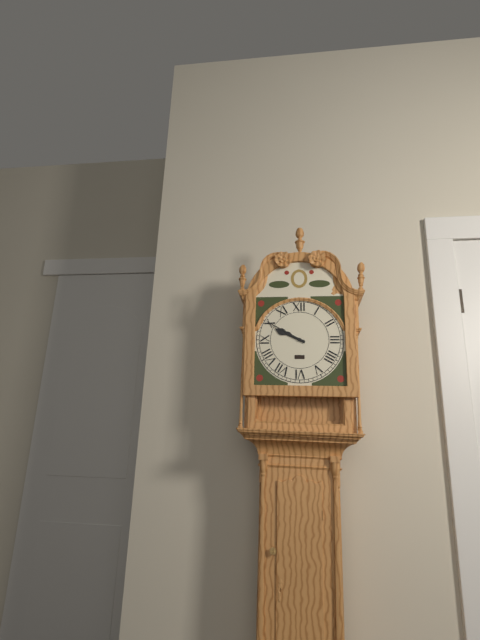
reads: 9,50
